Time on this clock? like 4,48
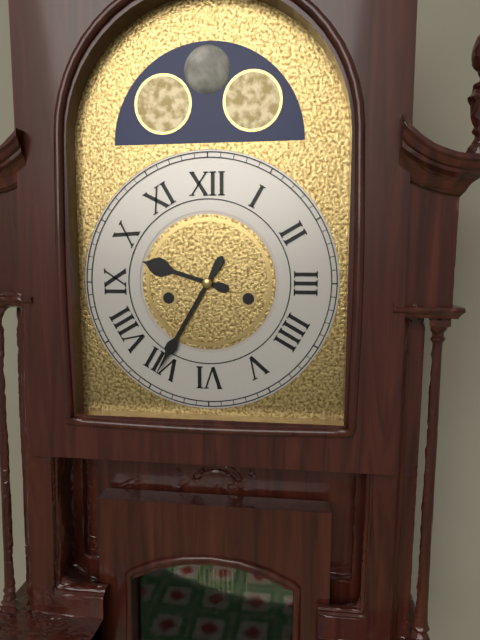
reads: 9,35
